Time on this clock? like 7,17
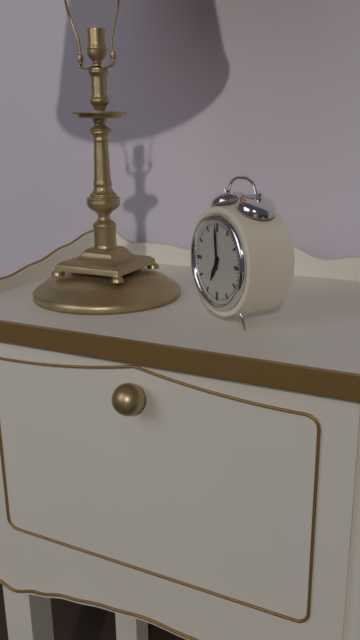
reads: 6,59
